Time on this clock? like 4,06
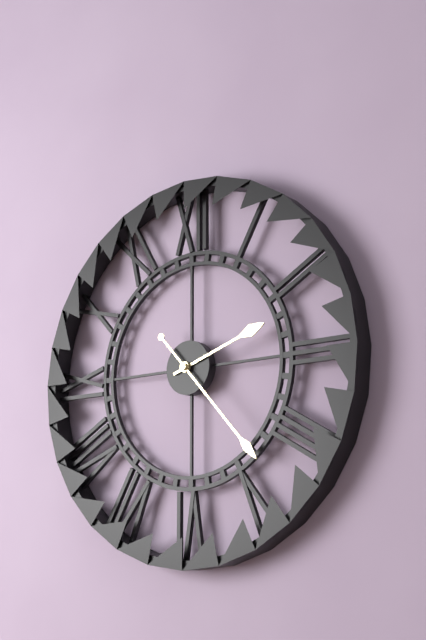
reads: 2,23
